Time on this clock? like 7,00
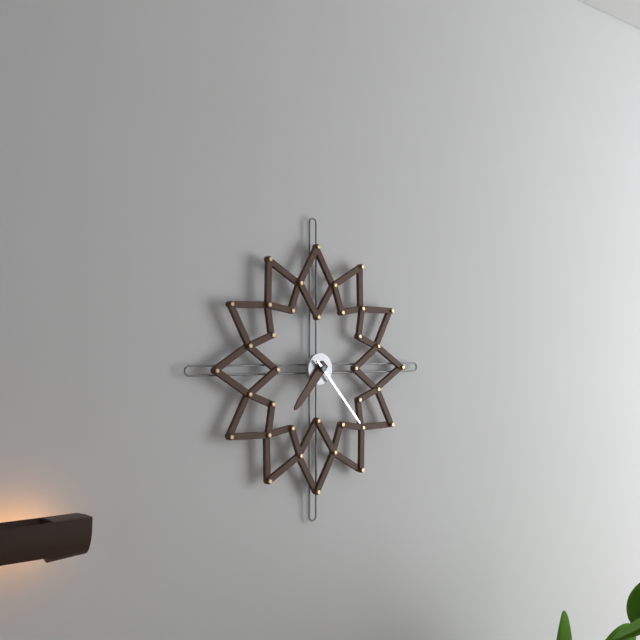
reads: 7,23
